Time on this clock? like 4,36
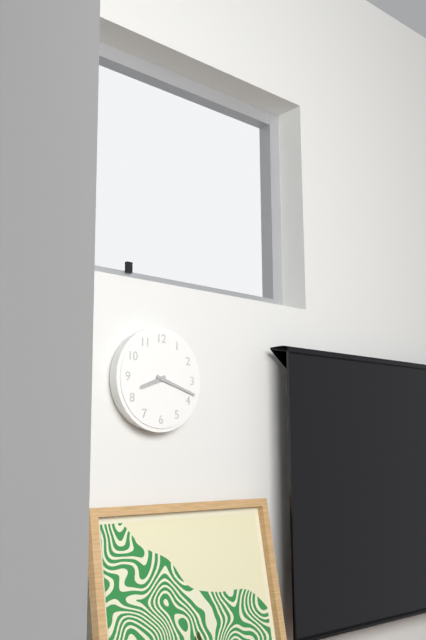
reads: 8,18
